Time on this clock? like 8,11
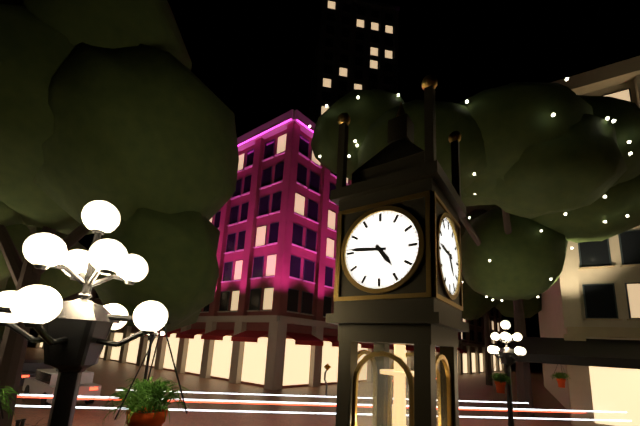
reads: 4,46
